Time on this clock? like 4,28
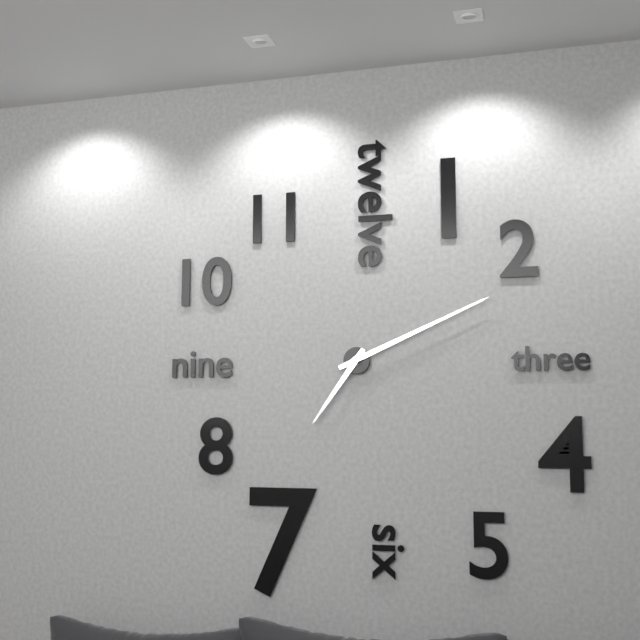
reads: 7,11
